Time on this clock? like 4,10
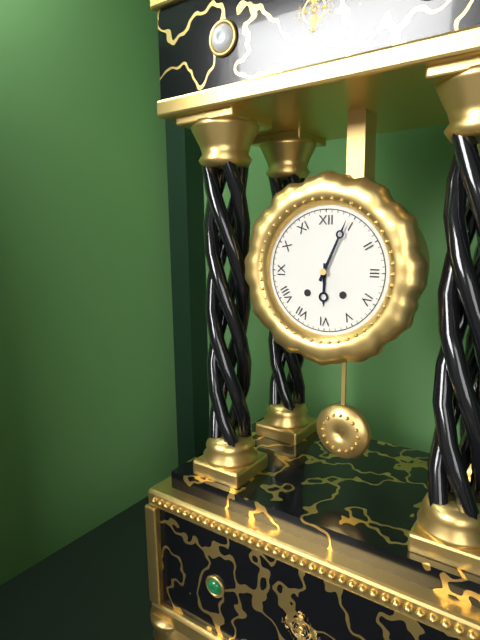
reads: 6,04
